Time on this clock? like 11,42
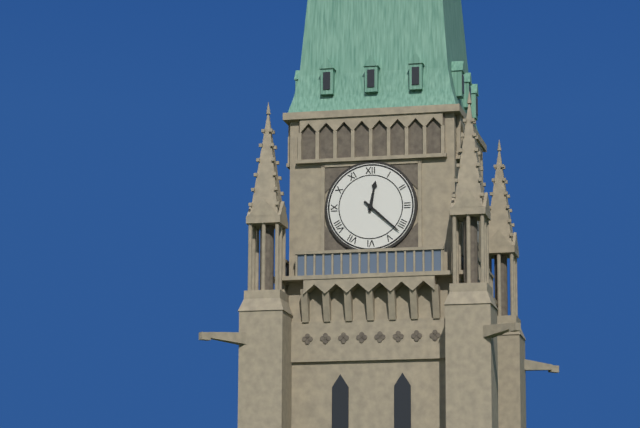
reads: 12,22
